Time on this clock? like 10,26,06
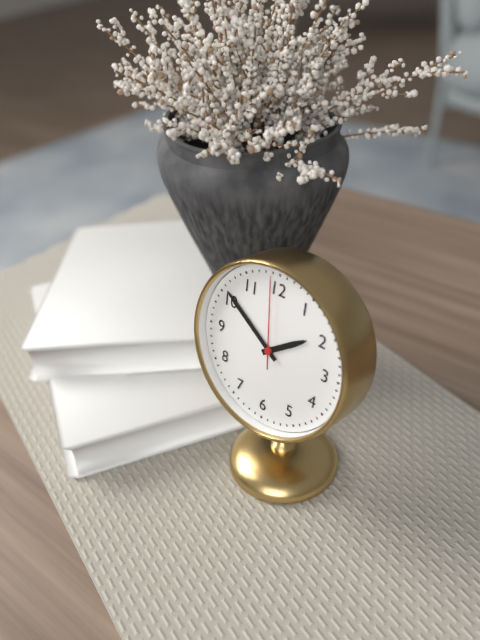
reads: 1,51,59
